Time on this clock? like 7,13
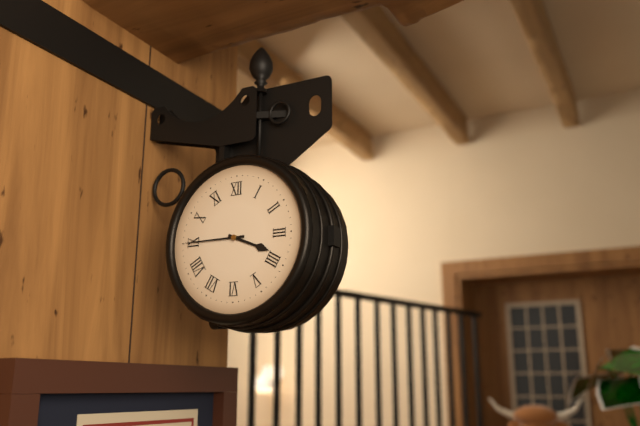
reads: 3,45
